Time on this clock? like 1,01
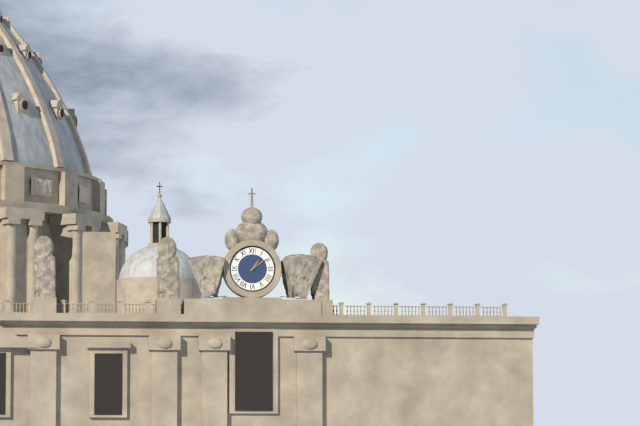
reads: 1,09
